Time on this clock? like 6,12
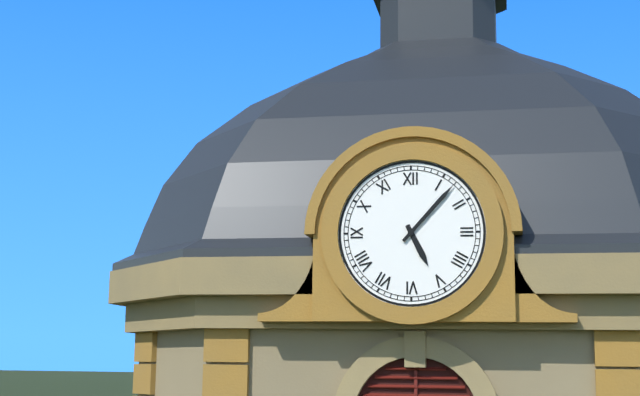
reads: 5,07
